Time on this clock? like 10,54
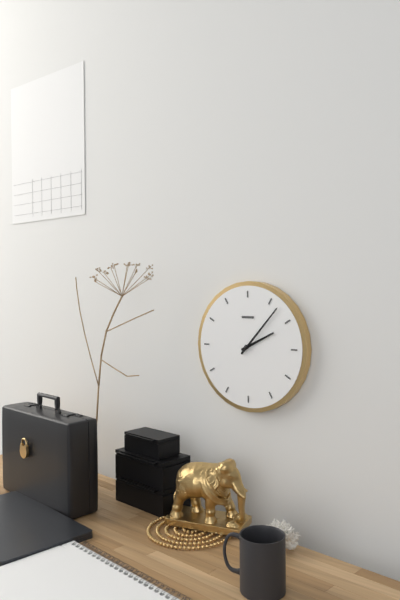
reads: 2,07
